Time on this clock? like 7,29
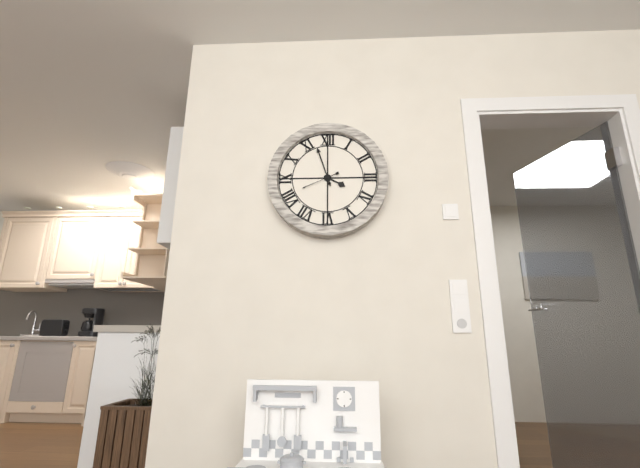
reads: 3,57
